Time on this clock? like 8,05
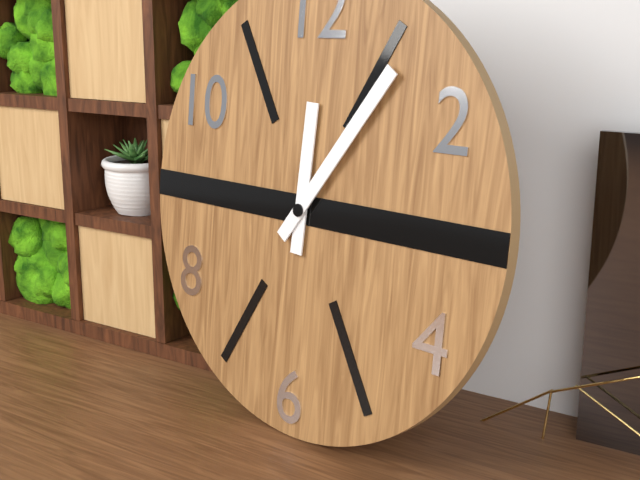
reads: 12,06
